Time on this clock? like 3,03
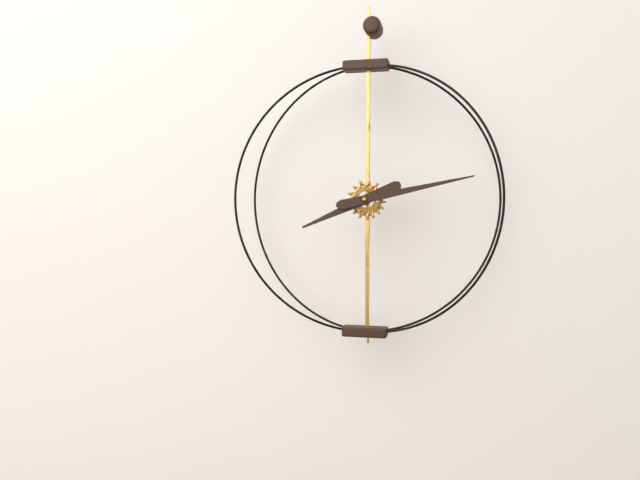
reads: 8,13
